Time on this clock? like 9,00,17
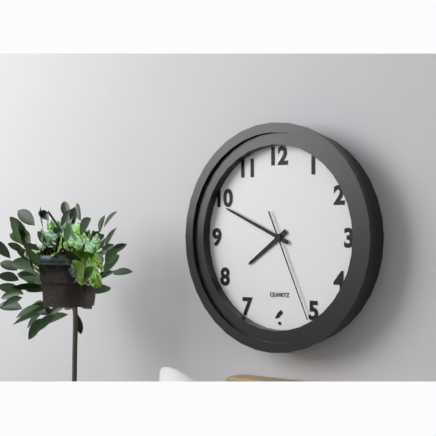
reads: 7,49,26
